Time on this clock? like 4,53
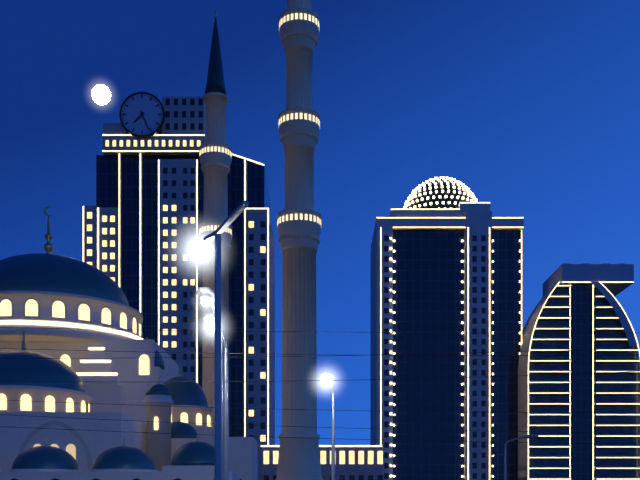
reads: 7,26
